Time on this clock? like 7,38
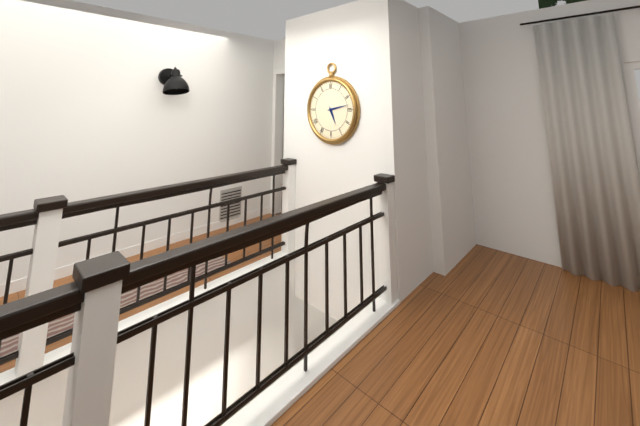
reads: 5,13
